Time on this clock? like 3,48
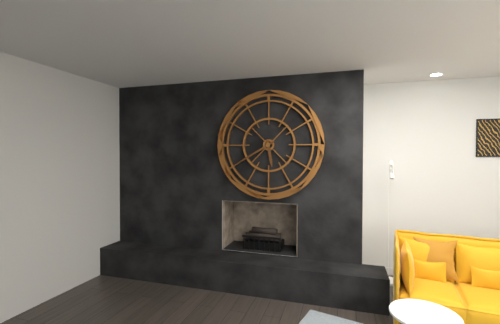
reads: 5,40
